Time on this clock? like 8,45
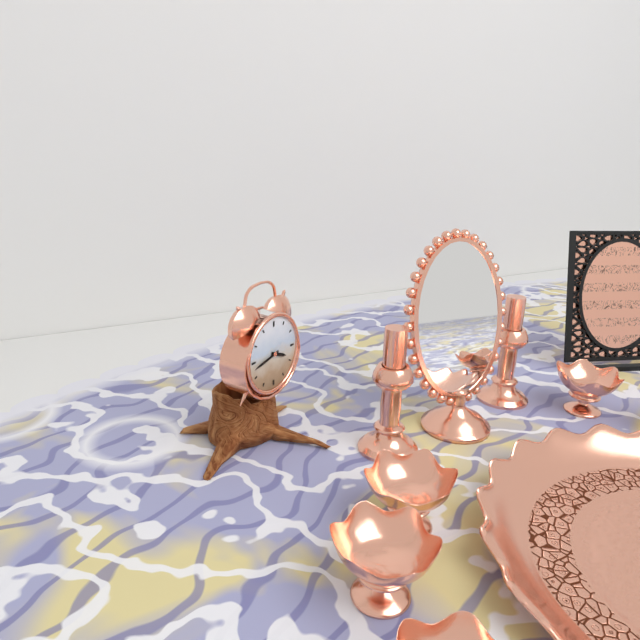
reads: 3,43
